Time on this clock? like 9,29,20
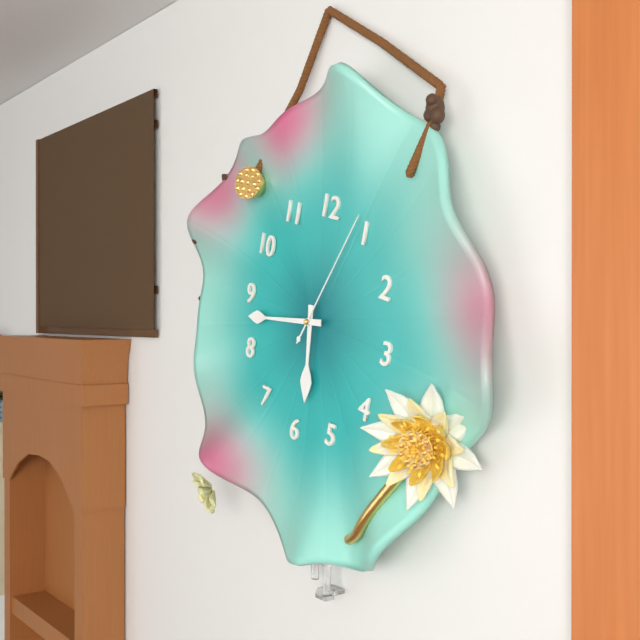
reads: 5,43,04
